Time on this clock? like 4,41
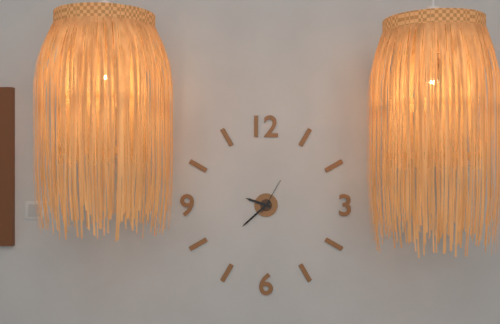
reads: 9,38
